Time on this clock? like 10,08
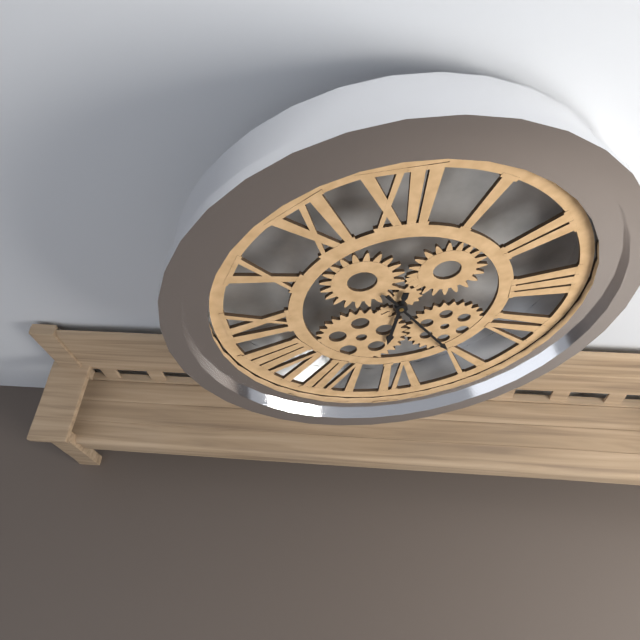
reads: 6,25
